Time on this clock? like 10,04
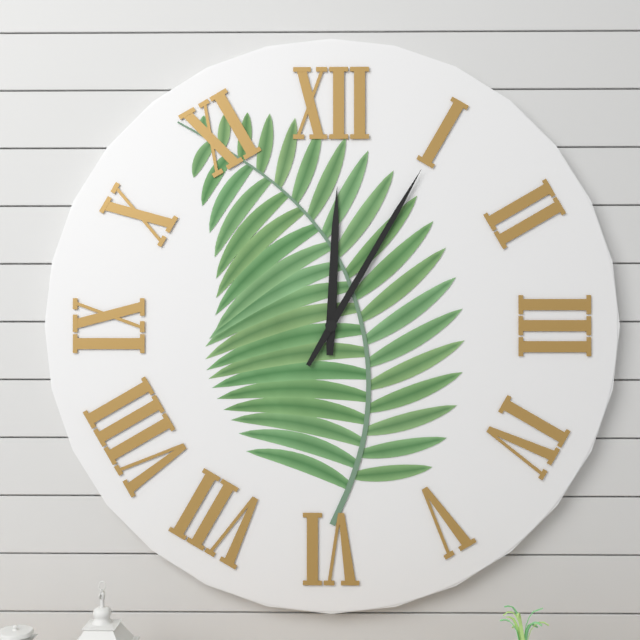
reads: 12,05
